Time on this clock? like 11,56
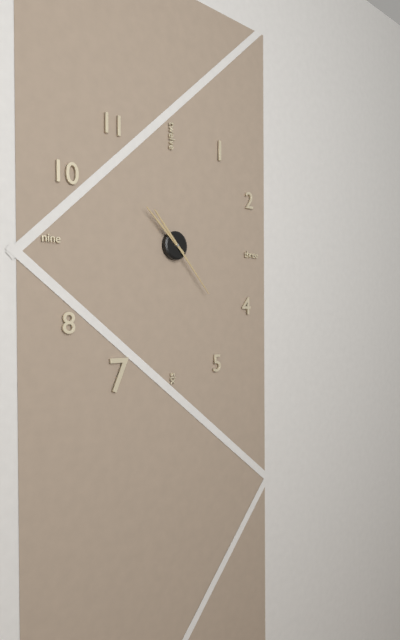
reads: 10,23
